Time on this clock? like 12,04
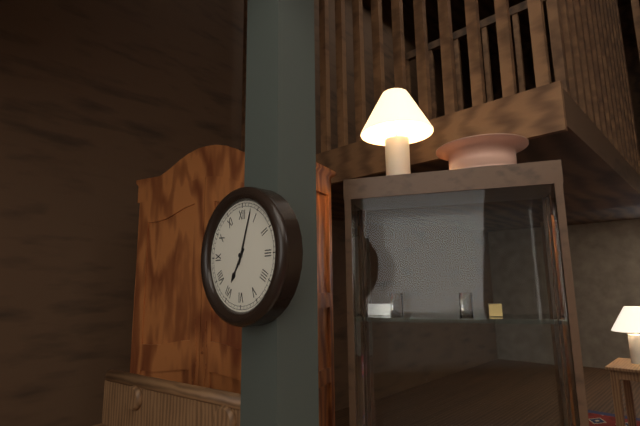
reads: 7,03
